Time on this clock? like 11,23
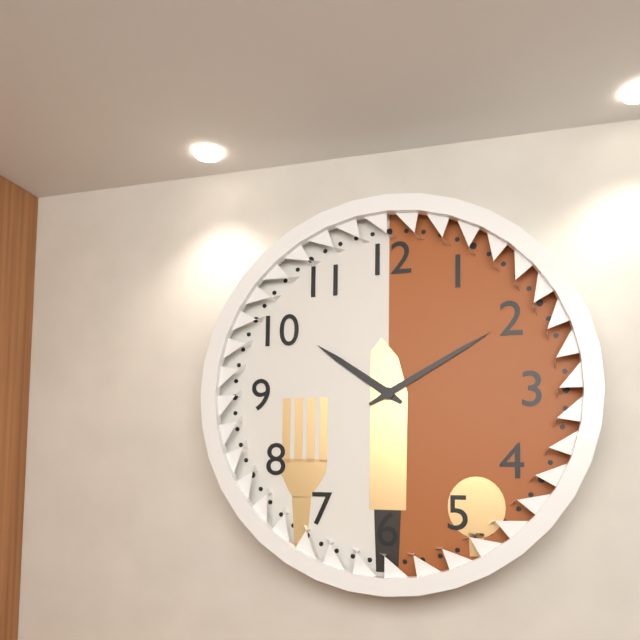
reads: 10,10
